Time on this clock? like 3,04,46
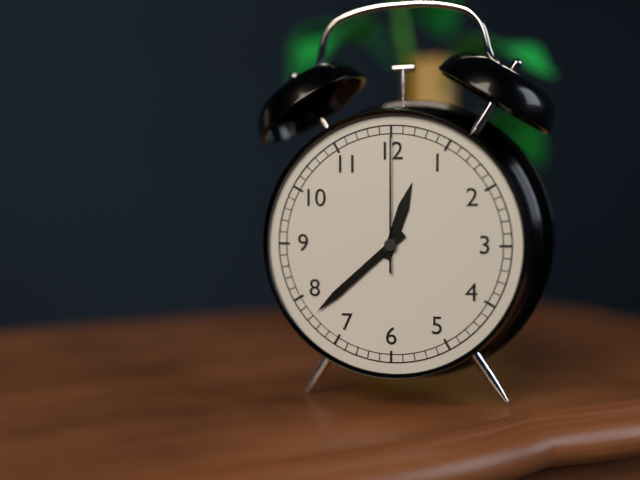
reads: 12,38,00
